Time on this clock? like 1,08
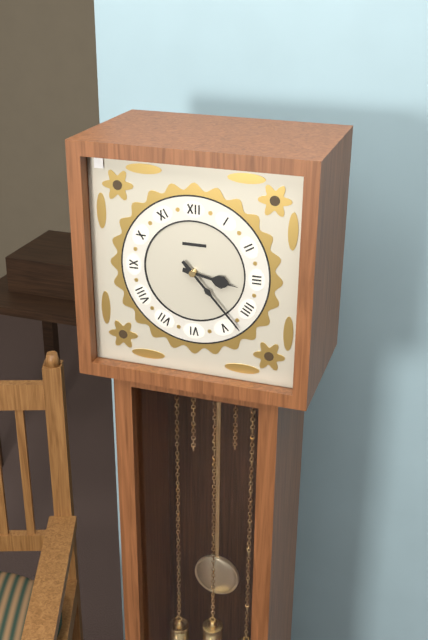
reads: 3,23
